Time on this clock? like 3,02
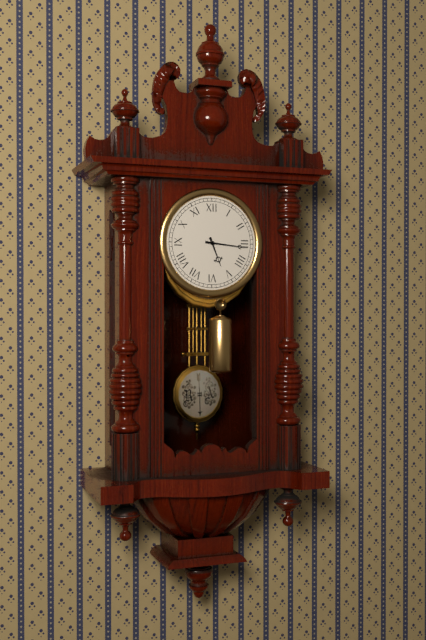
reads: 5,16
